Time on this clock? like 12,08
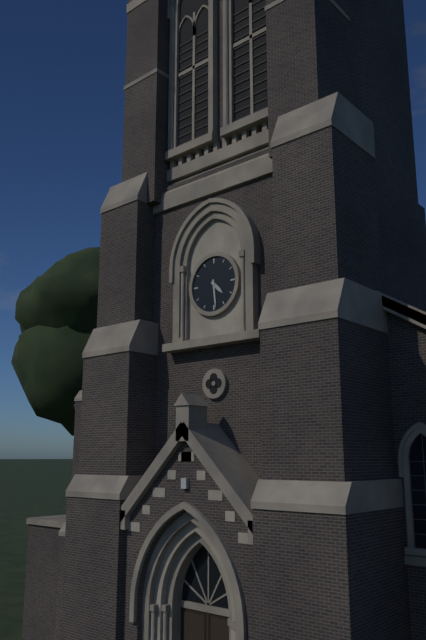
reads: 4,29
